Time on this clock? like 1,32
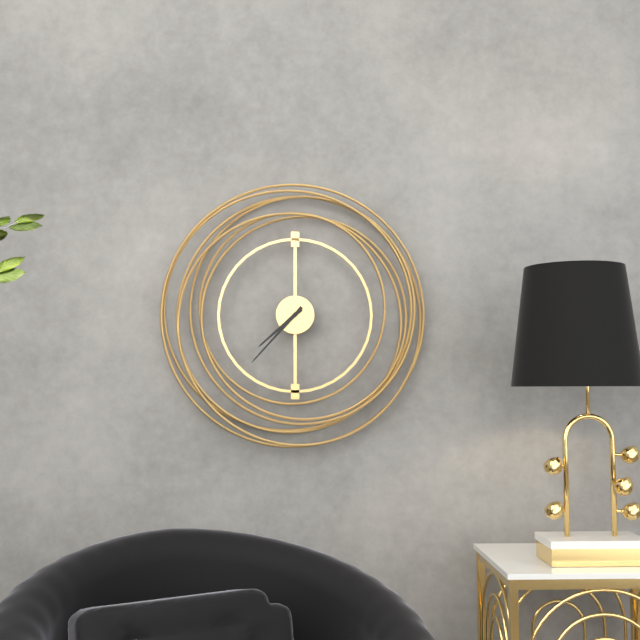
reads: 7,37
